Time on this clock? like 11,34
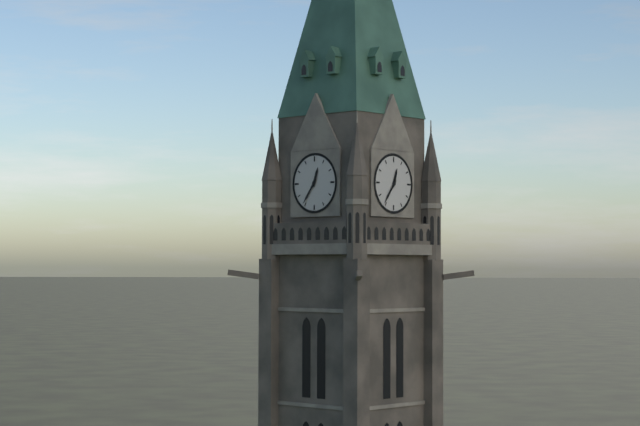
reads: 12,36
